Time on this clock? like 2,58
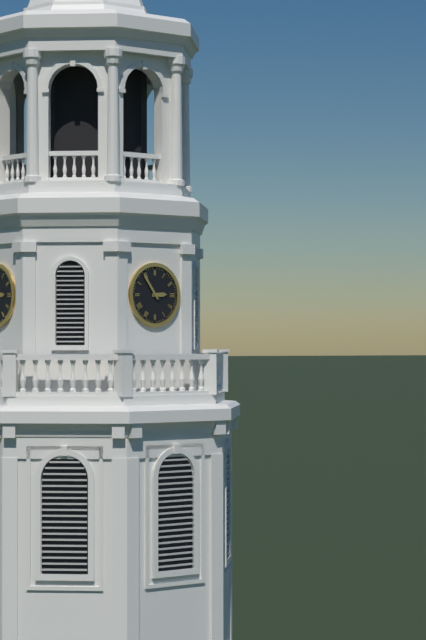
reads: 2,54
